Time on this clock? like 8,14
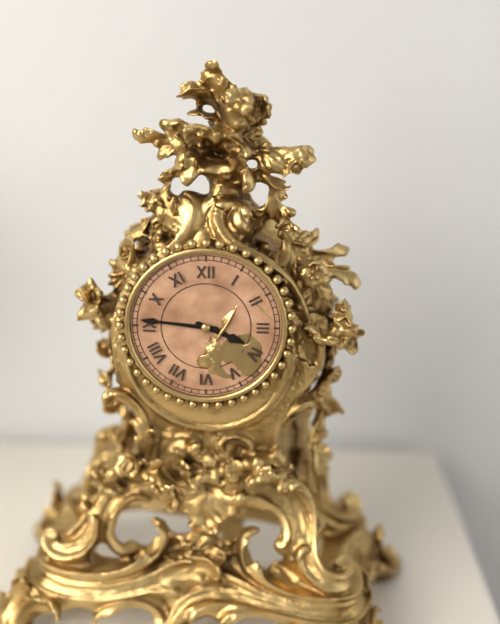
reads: 3,46
